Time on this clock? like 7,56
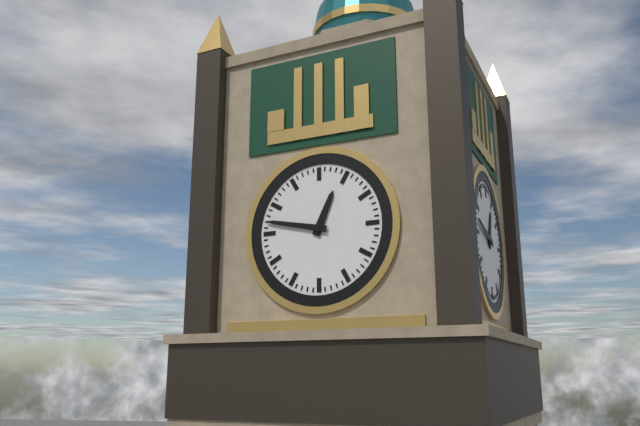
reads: 12,47
